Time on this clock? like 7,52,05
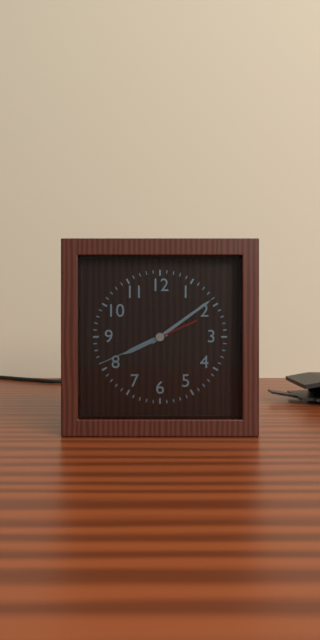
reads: 8,09,41
